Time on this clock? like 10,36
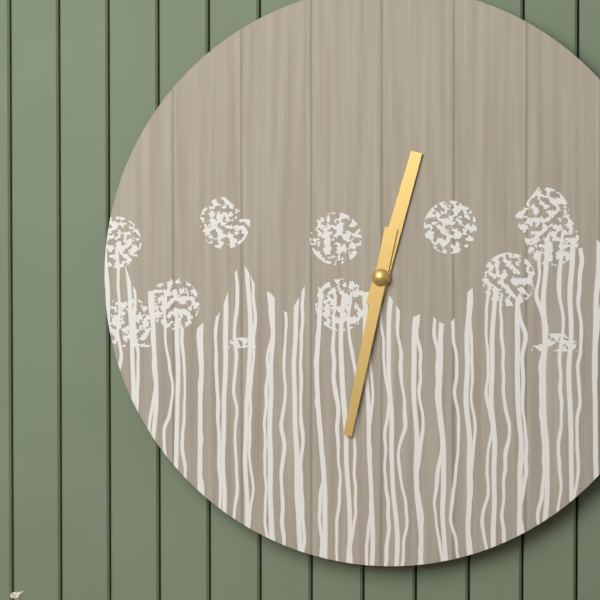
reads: 12,32
